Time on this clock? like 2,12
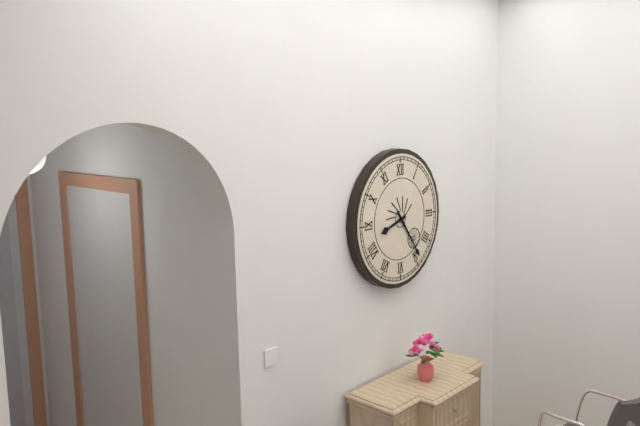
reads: 8,24
